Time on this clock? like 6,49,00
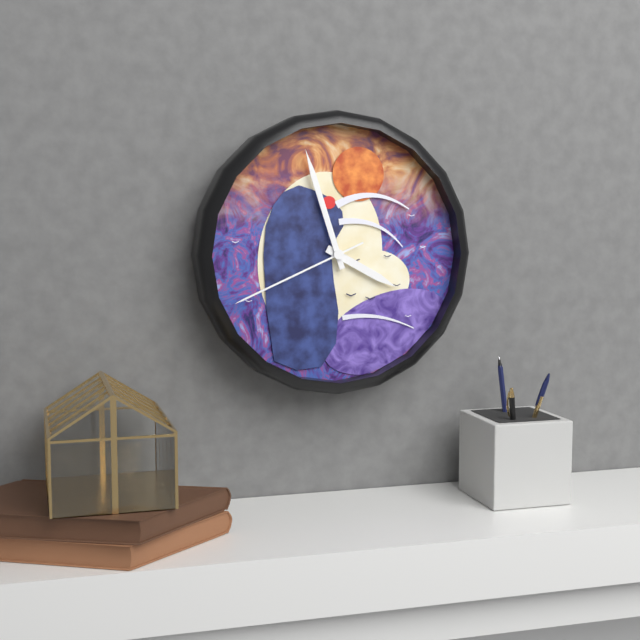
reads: 3,57,41
